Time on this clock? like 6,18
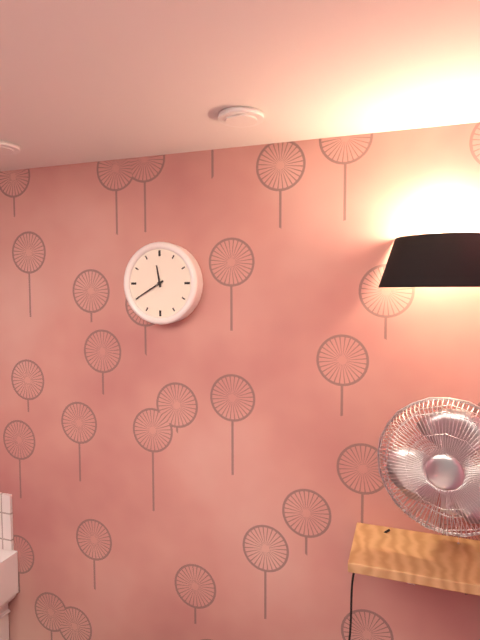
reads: 11,40
